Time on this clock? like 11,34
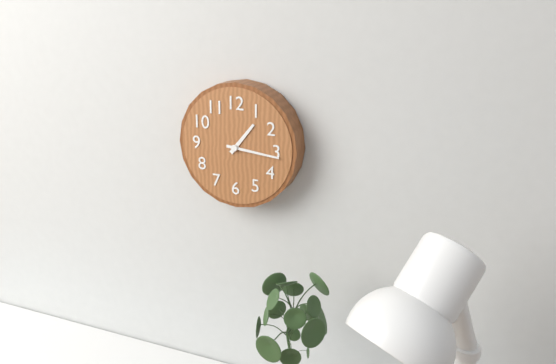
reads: 1,16
